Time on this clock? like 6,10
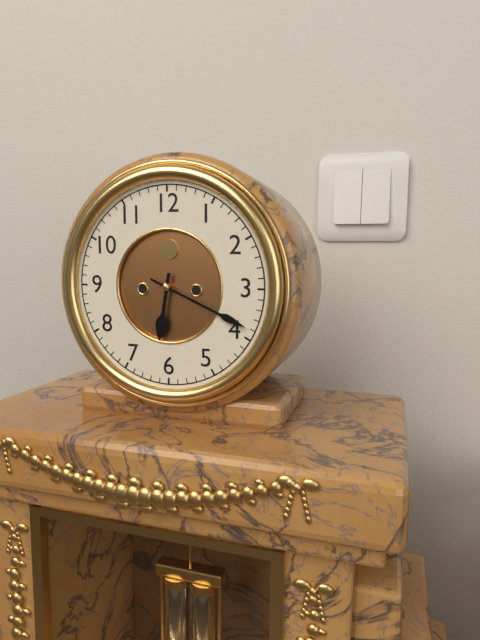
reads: 6,19
